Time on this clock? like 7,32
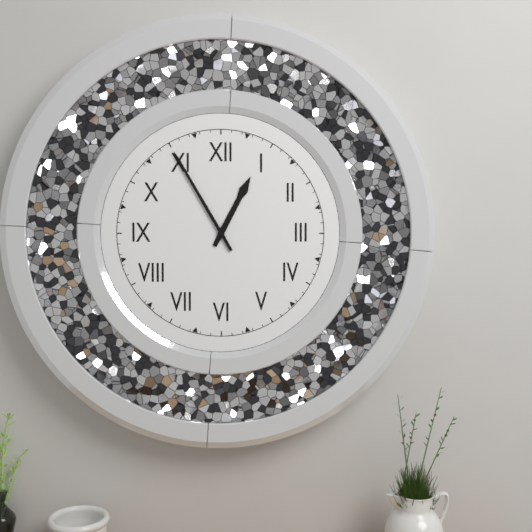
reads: 12,55
